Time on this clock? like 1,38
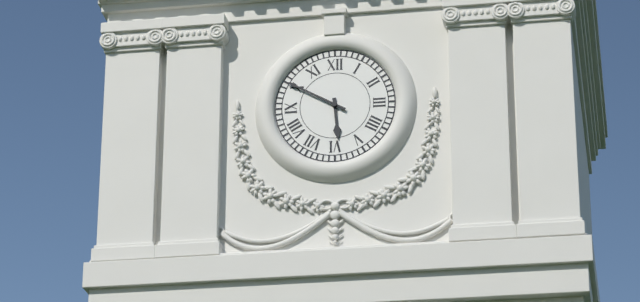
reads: 5,50
